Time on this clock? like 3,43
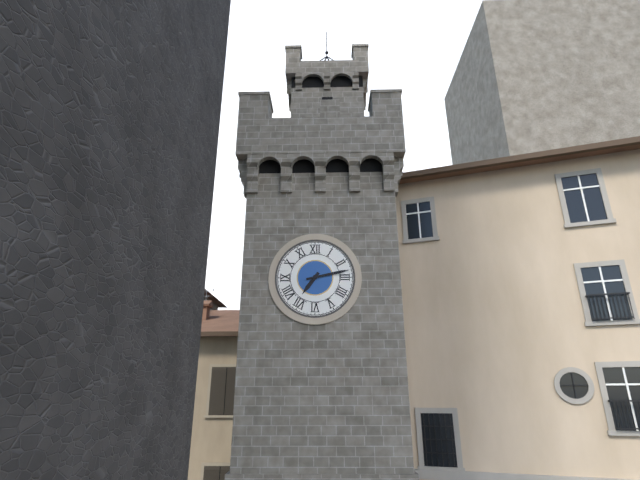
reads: 7,13
